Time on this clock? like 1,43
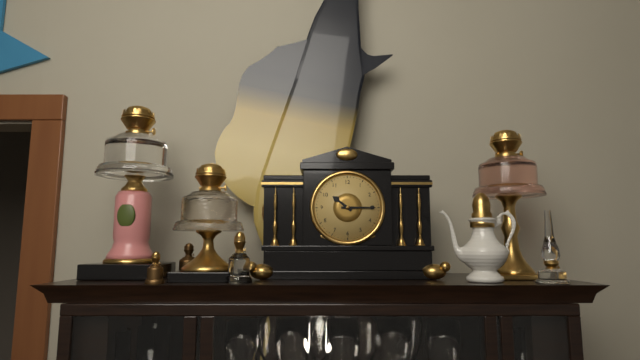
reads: 10,15
